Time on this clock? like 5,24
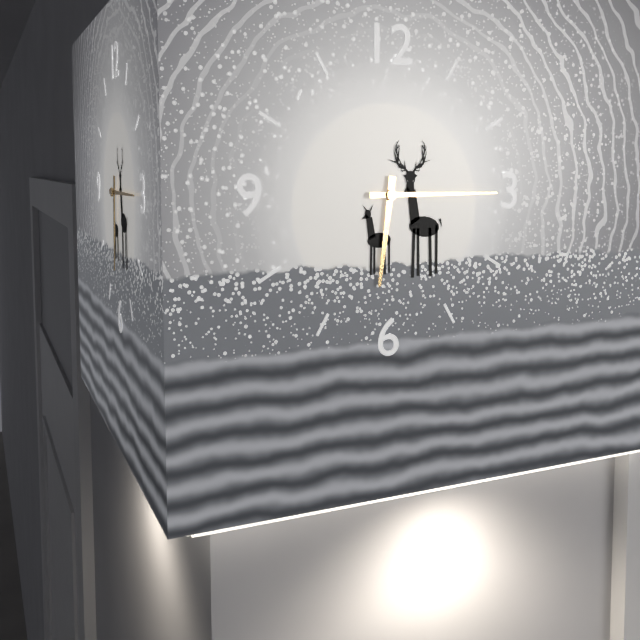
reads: 6,15
